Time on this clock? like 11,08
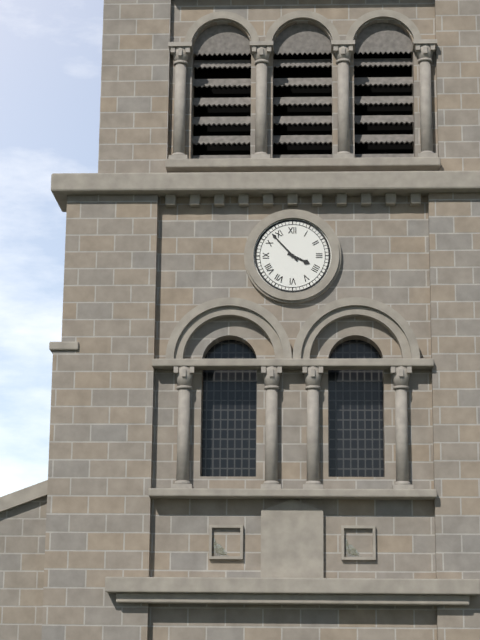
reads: 3,53
